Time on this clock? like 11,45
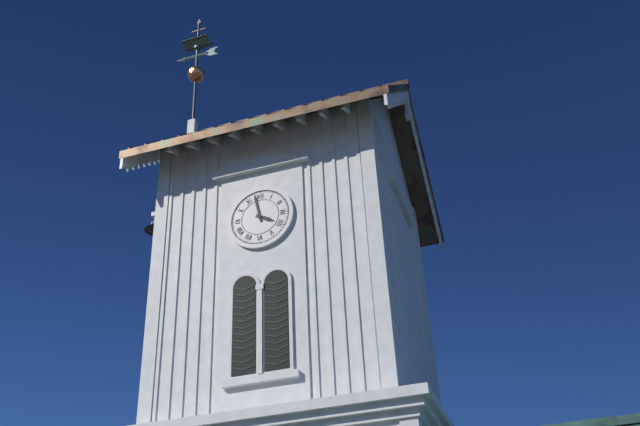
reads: 3,58
